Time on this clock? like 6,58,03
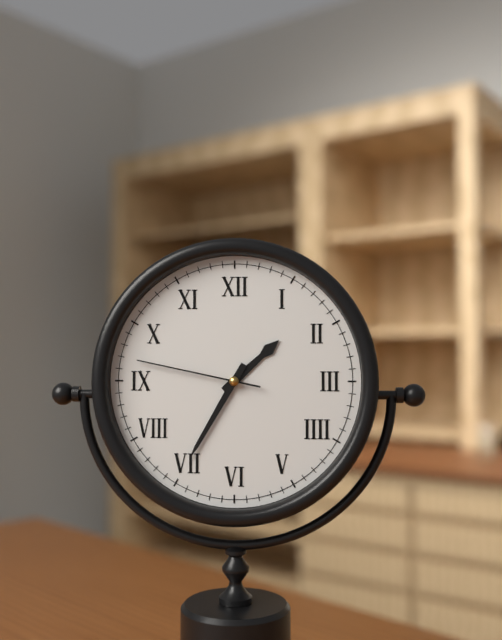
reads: 1,35,47
